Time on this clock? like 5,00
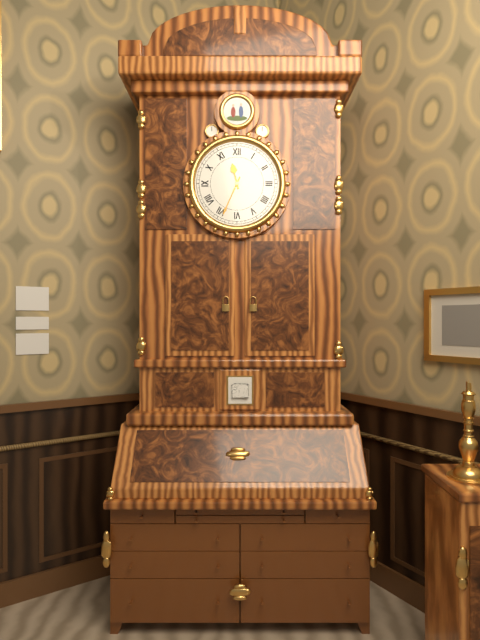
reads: 11,34
